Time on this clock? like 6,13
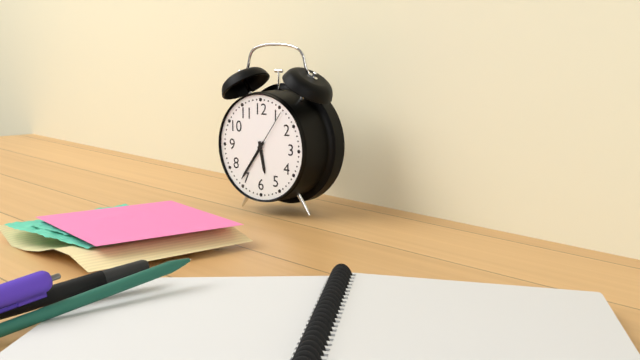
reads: 5,36
